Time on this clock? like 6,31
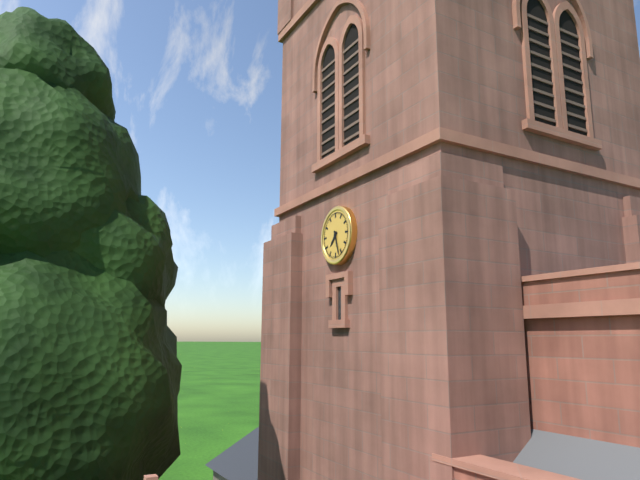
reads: 7,27
